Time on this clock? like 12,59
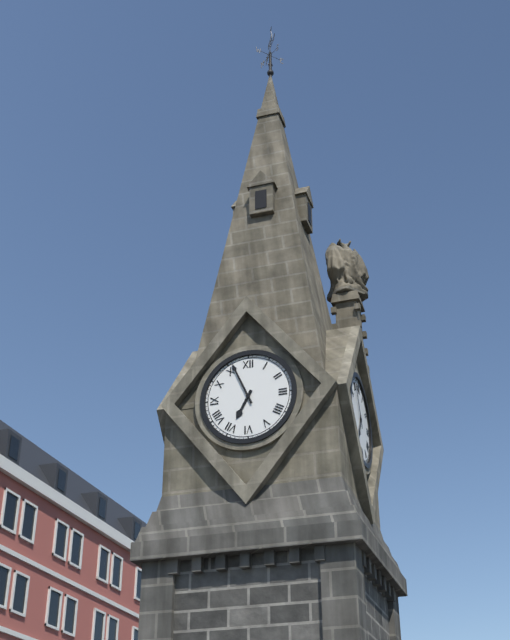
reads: 6,56
